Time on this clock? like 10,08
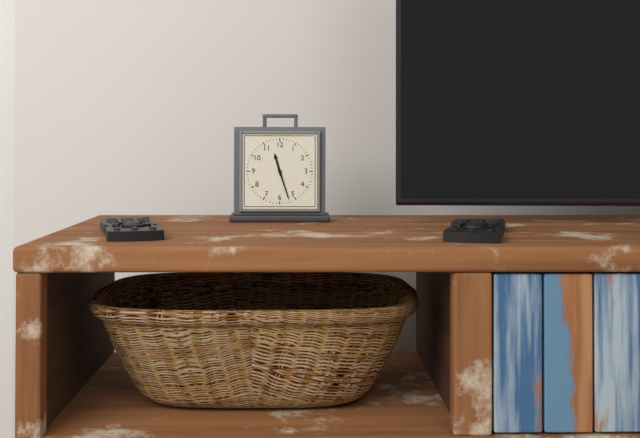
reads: 11,27
